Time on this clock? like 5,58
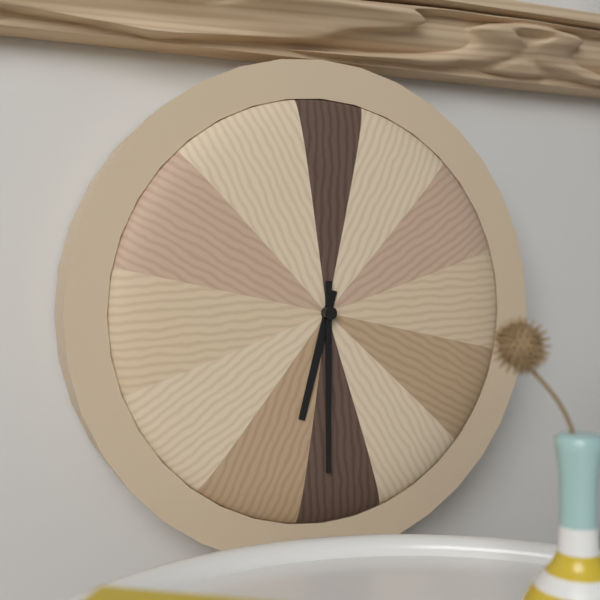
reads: 6,30
